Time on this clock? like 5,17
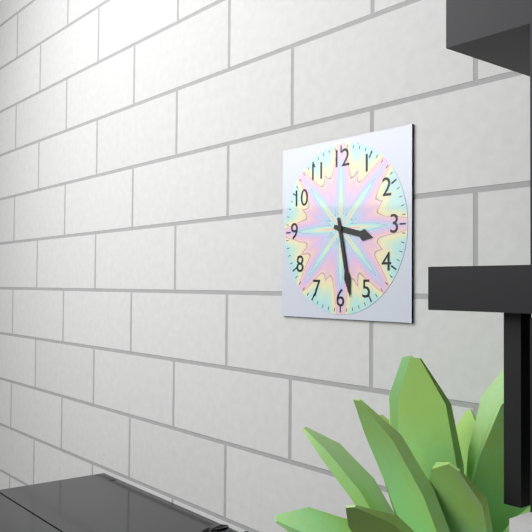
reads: 3,28
